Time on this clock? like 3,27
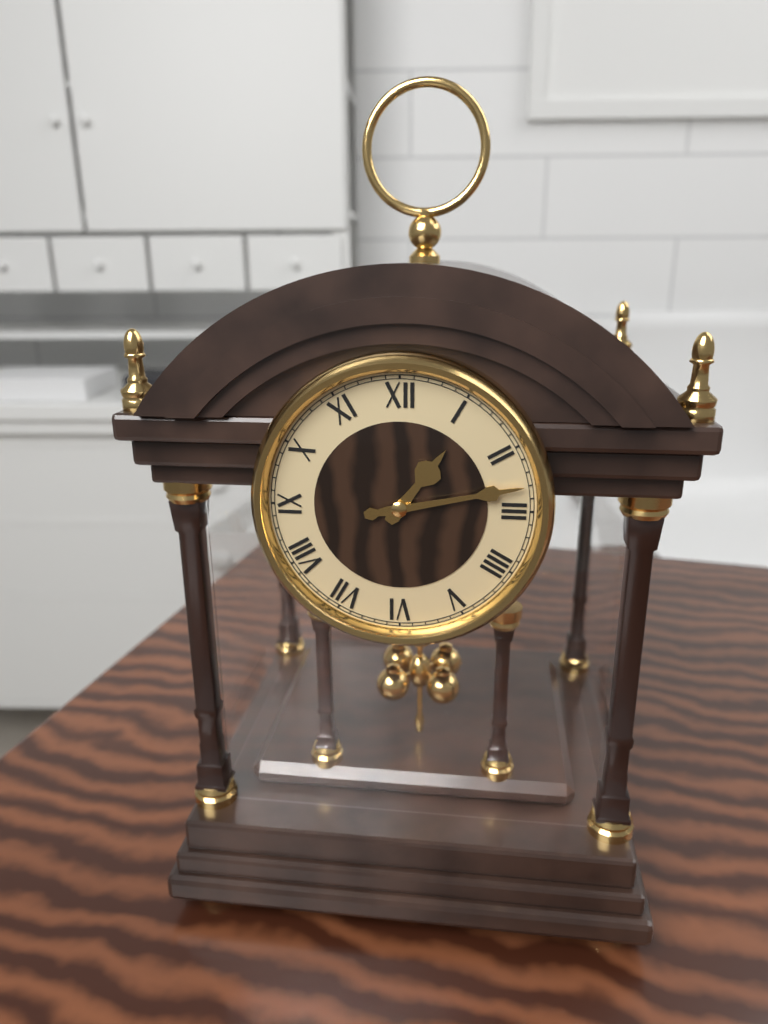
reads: 1,13
